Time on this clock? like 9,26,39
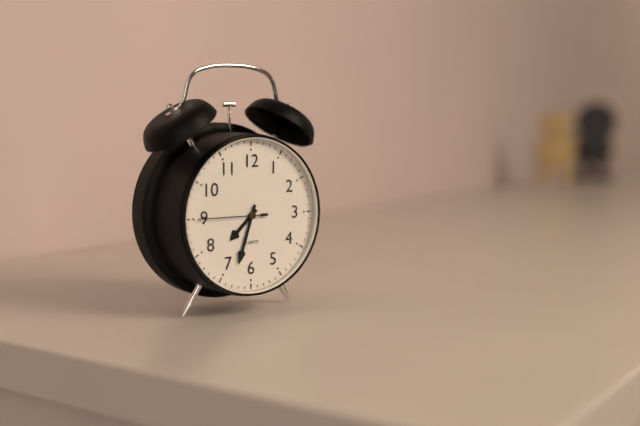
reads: 7,33,45
